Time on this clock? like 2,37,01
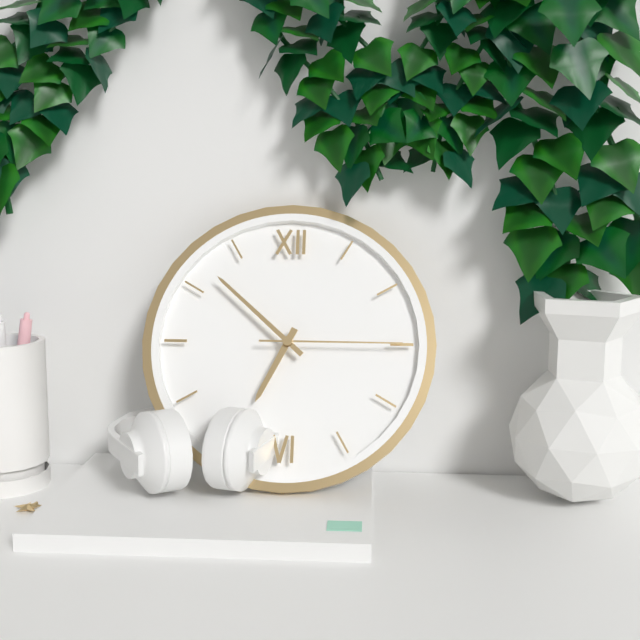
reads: 6,52,15
